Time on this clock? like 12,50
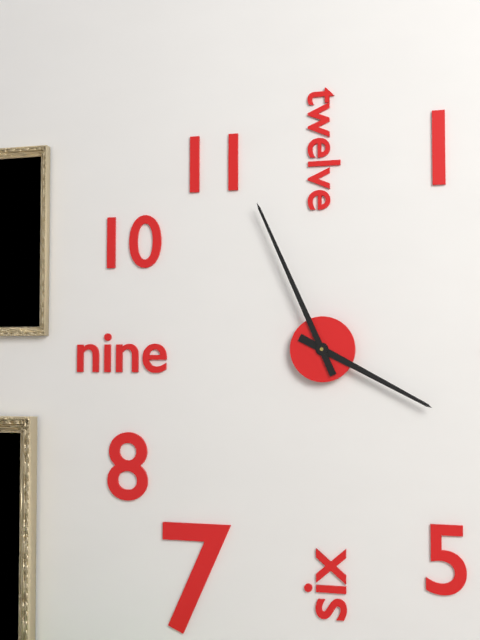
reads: 3,56
